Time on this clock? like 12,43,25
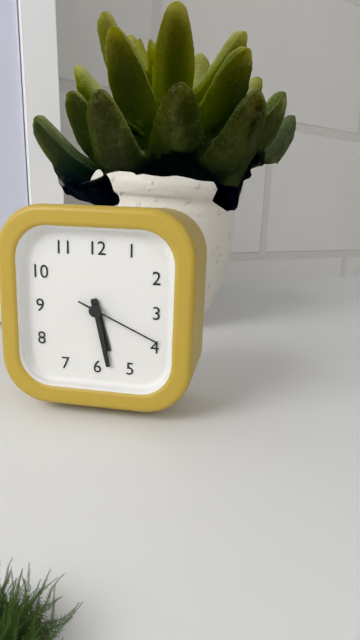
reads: 5,28,19
